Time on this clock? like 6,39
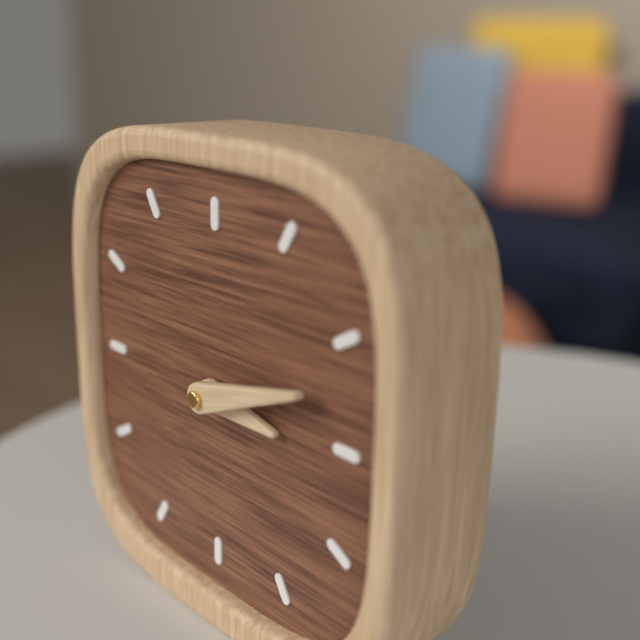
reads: 3,12
